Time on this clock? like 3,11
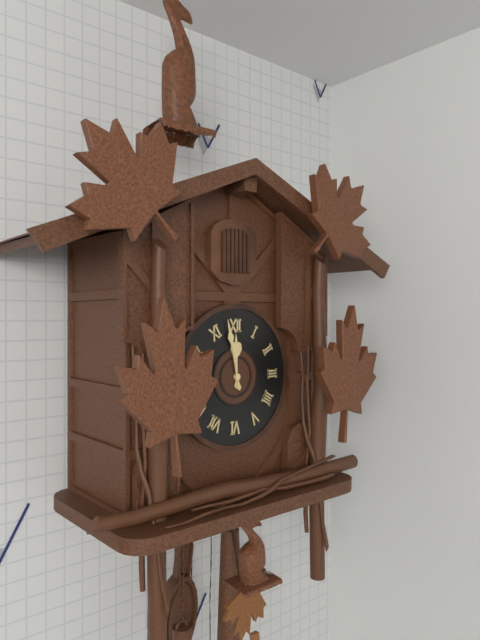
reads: 11,58
